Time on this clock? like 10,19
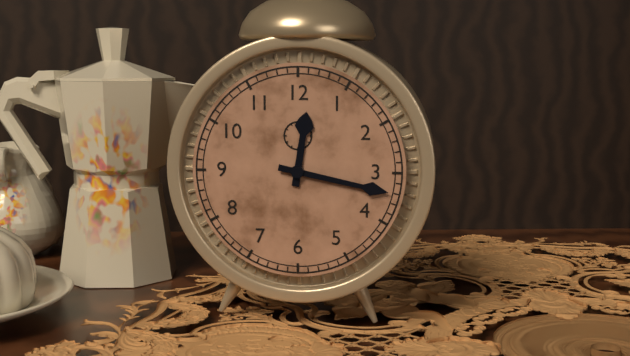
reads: 12,17
